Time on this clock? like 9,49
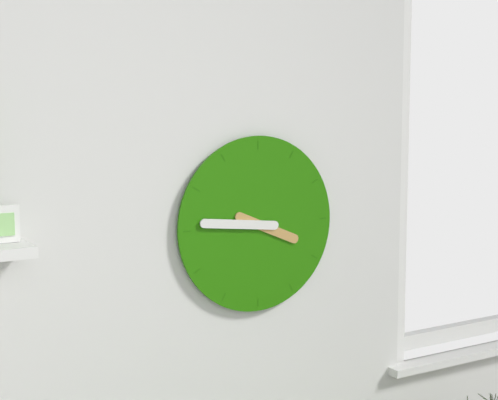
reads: 3,46
